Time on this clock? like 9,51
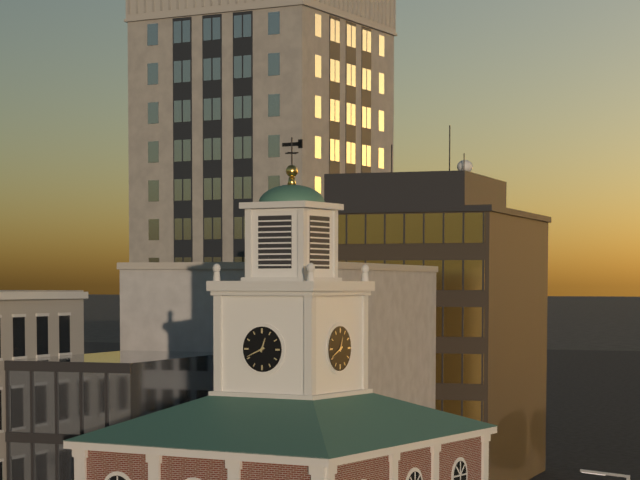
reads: 12,41
